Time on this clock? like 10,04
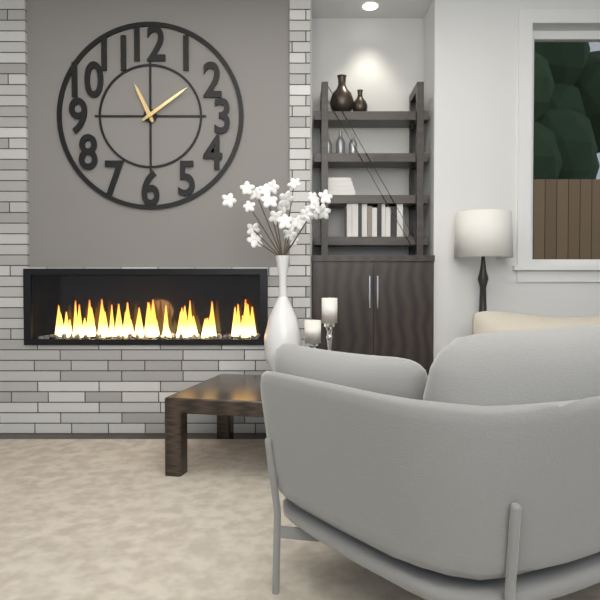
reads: 11,09
